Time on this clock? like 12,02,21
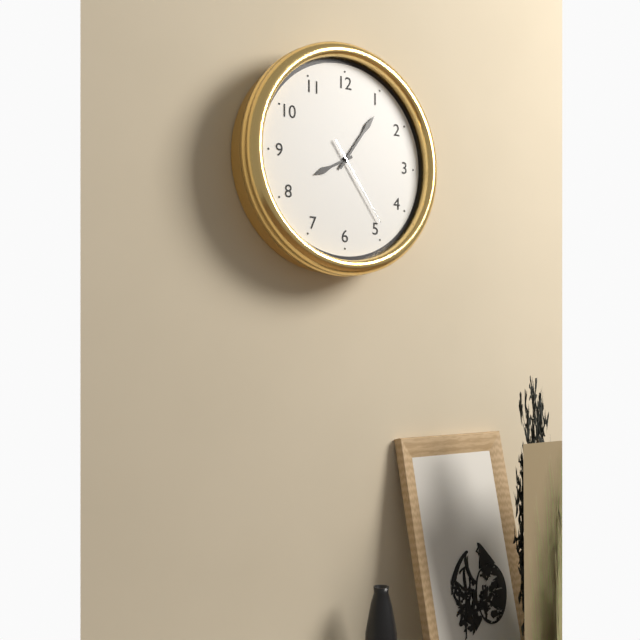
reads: 8,06,24
